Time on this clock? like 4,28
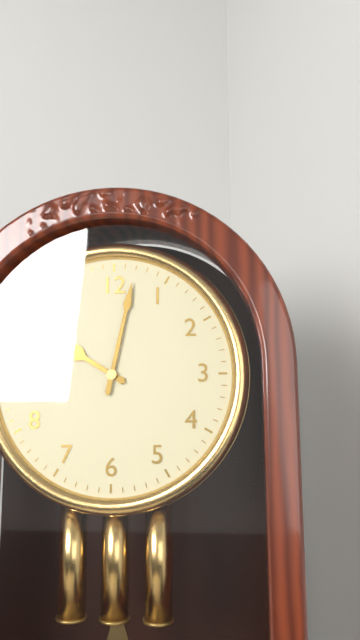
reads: 10,02
